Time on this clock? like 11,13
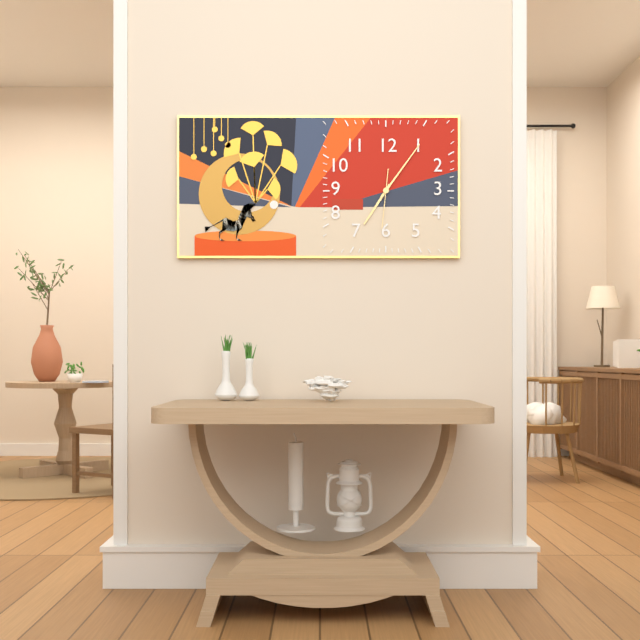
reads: 7,06
